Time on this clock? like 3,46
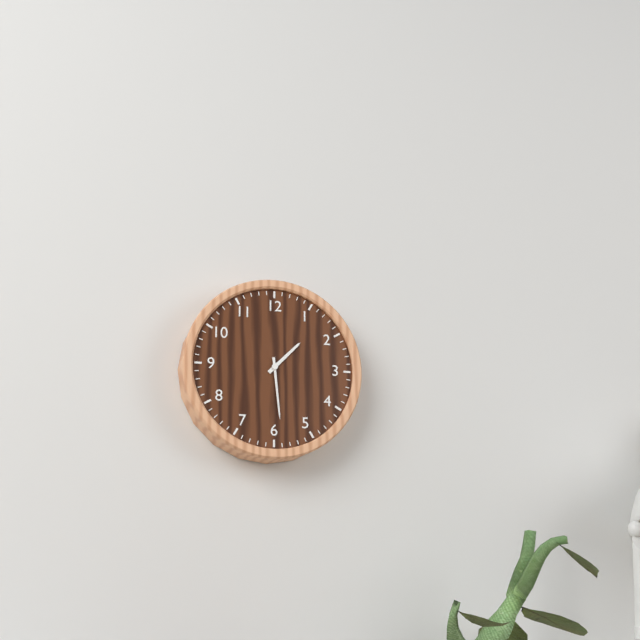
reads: 1,29
